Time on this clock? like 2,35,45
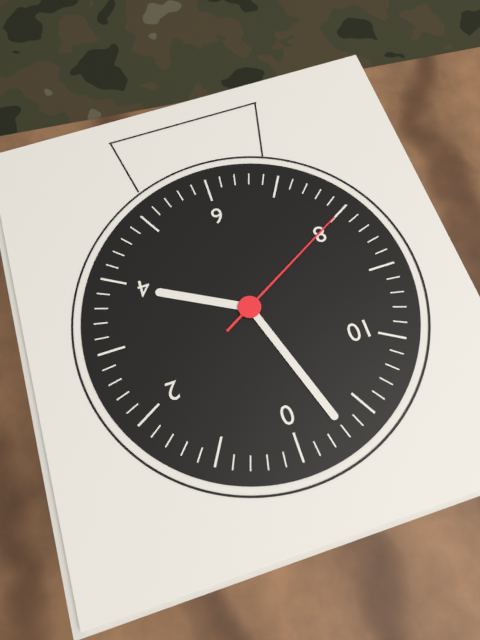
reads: 3,57,40
